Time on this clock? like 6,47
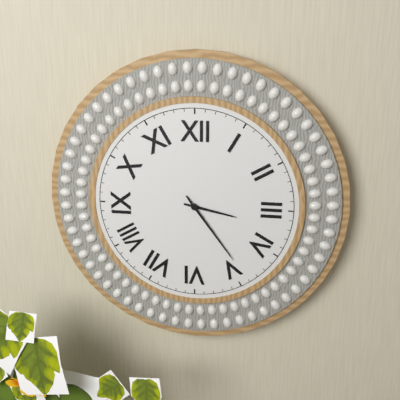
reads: 3,24
